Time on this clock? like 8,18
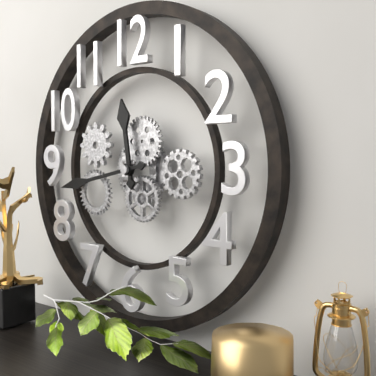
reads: 11,43
